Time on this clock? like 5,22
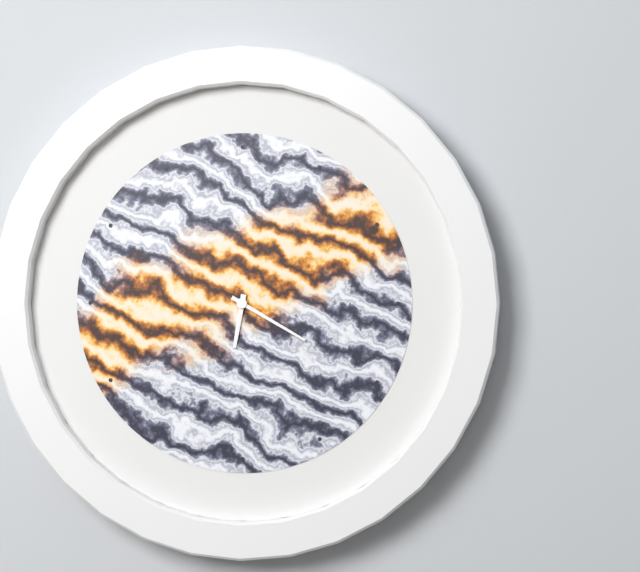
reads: 6,20
